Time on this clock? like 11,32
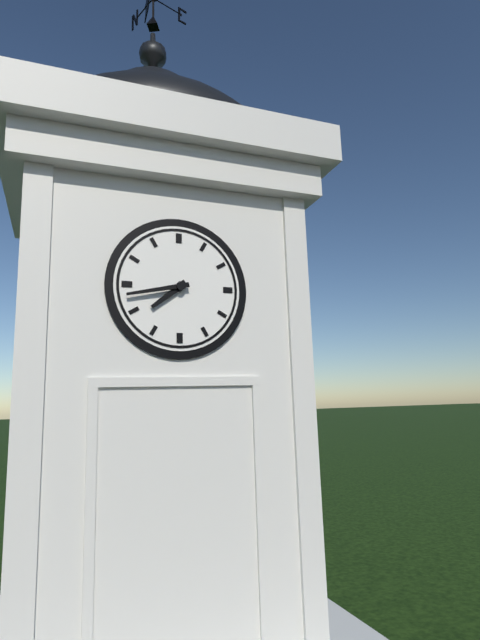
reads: 7,43
